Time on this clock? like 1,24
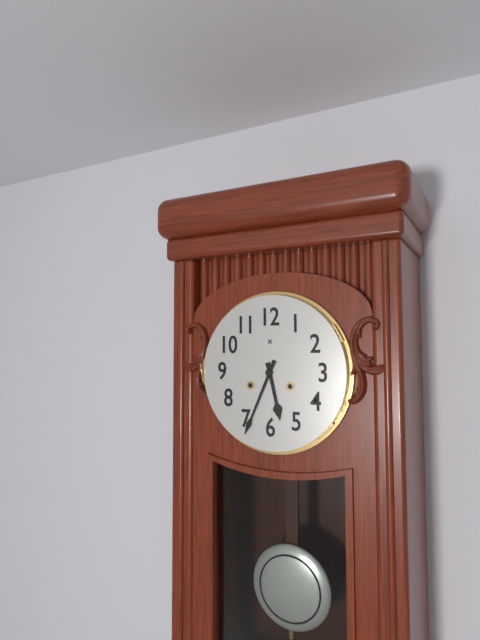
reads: 5,34
